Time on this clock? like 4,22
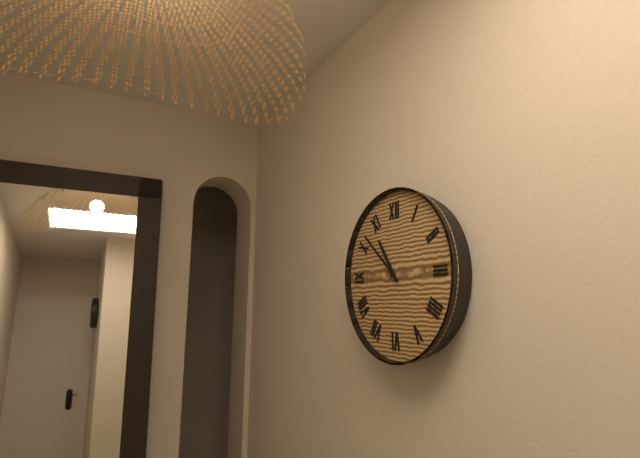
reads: 10,52
